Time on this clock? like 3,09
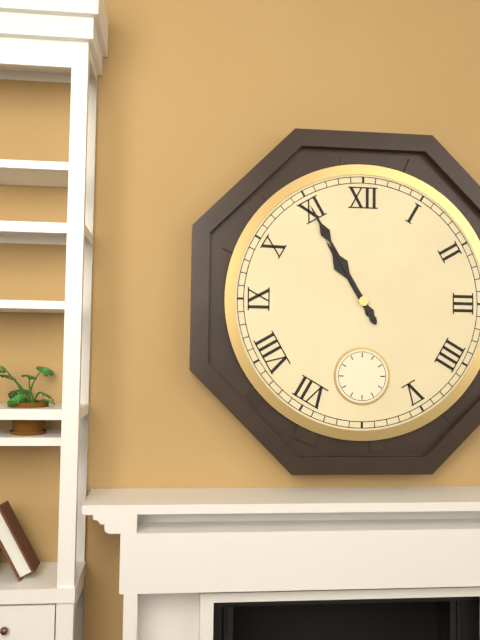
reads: 10,55
